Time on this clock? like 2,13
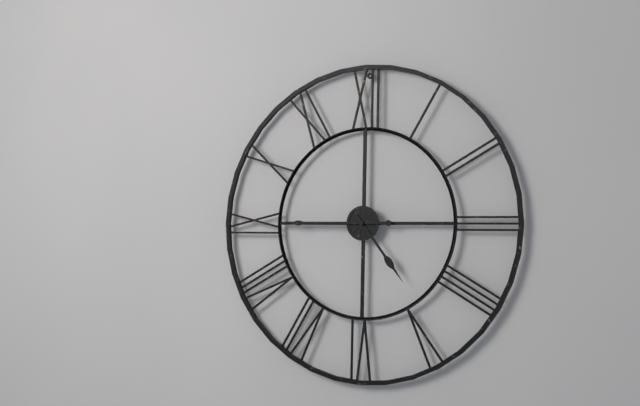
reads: 4,45
